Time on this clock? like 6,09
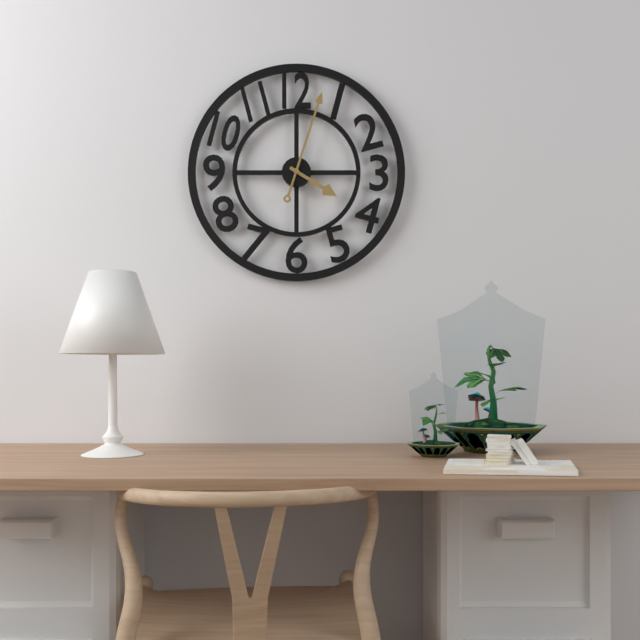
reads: 4,03
